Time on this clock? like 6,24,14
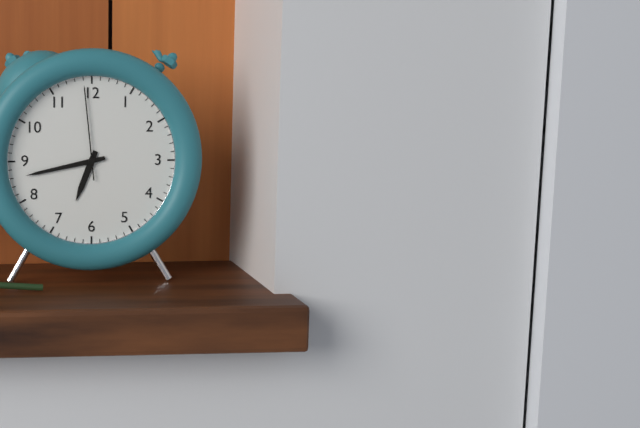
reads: 6,43,59
